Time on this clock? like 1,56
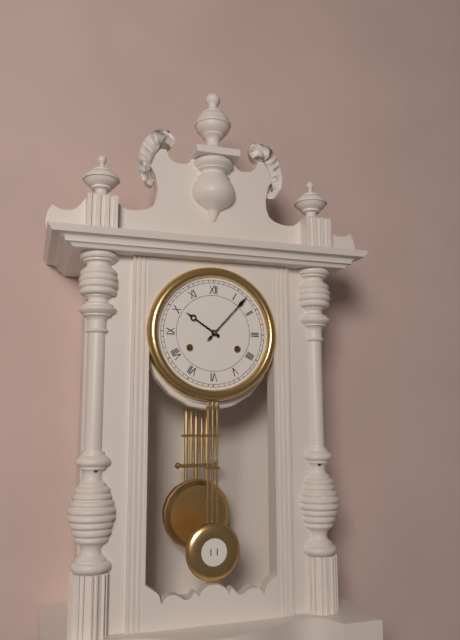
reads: 10,07
